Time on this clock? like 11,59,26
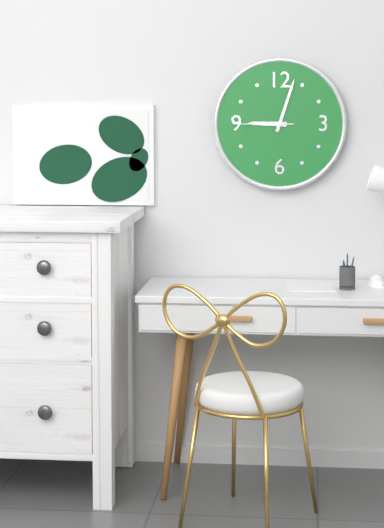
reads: 9,03,45
